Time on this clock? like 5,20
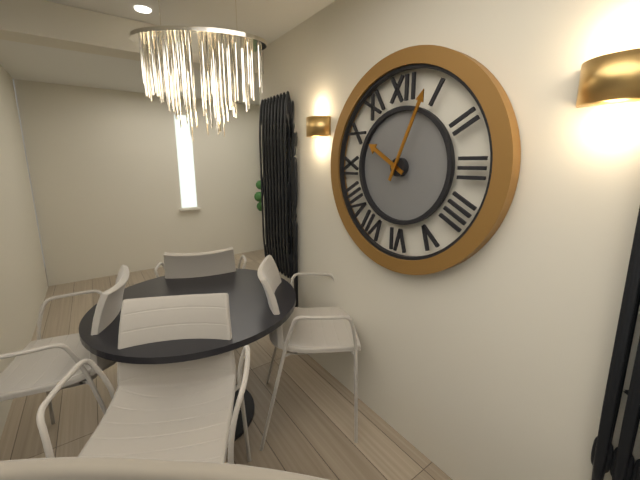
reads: 10,04
